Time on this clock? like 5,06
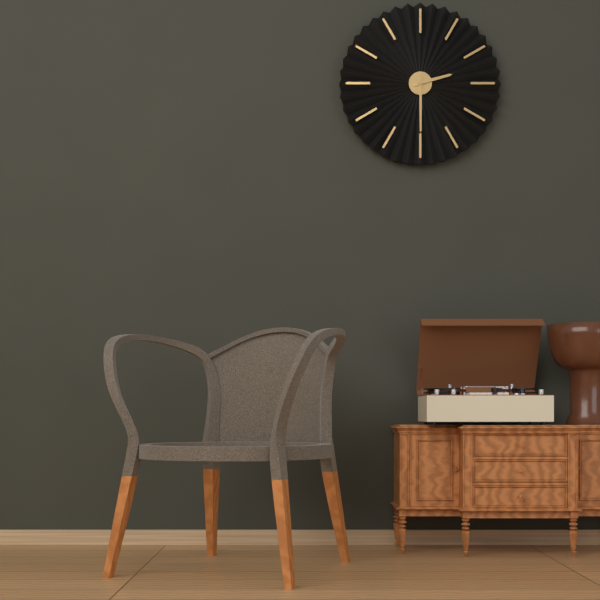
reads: 2,30
